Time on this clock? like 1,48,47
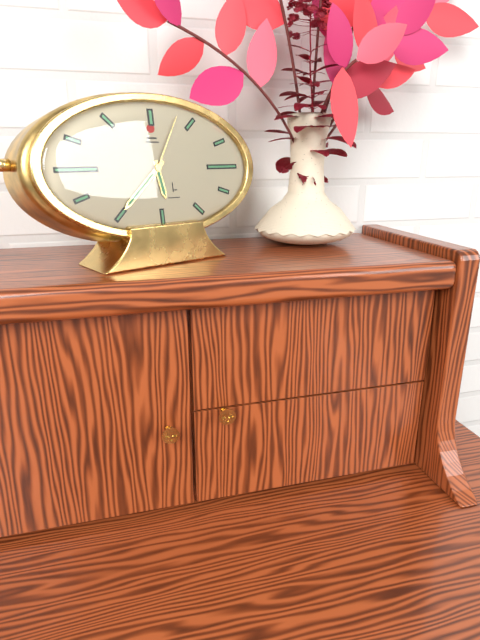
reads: 5,38,05
